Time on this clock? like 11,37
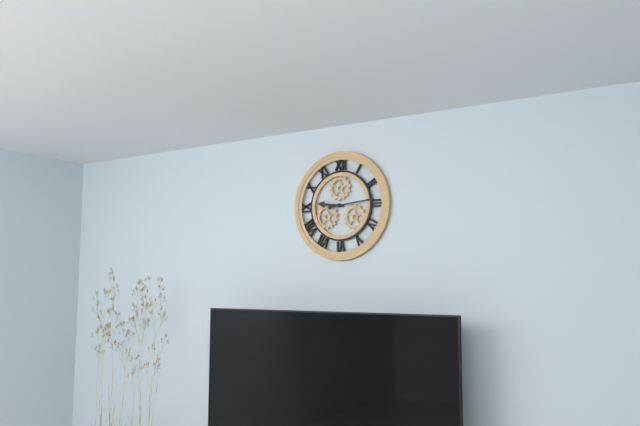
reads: 9,14
